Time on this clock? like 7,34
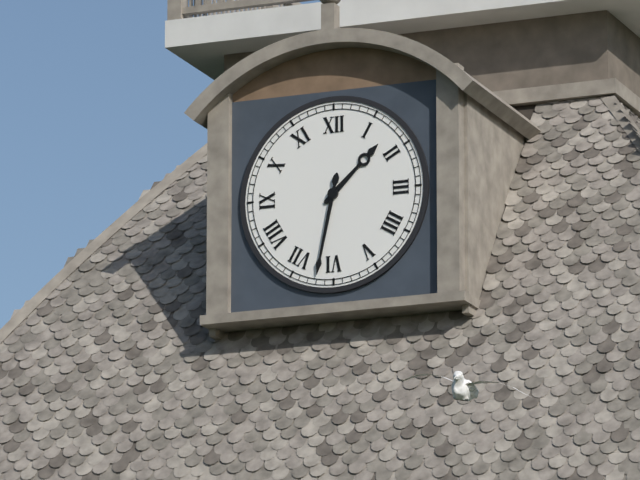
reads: 1,32
